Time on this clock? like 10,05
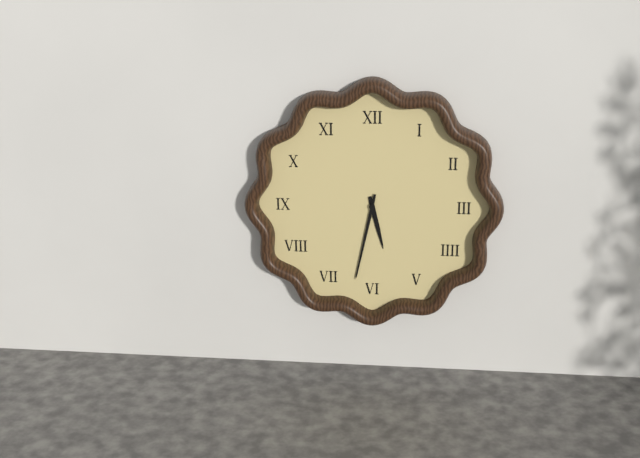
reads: 5,32
